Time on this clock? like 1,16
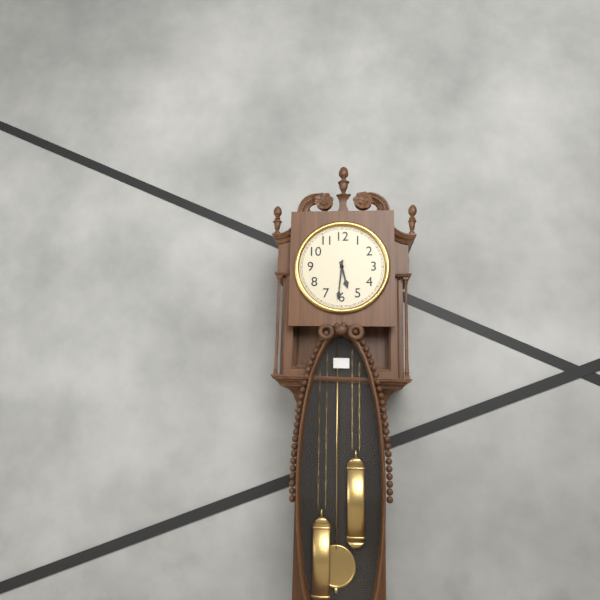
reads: 5,31
